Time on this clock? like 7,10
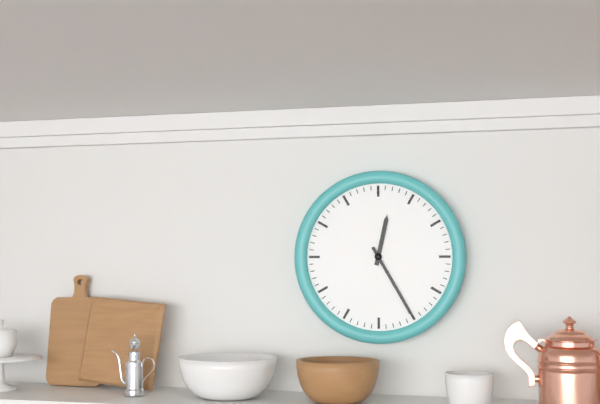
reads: 12,25
